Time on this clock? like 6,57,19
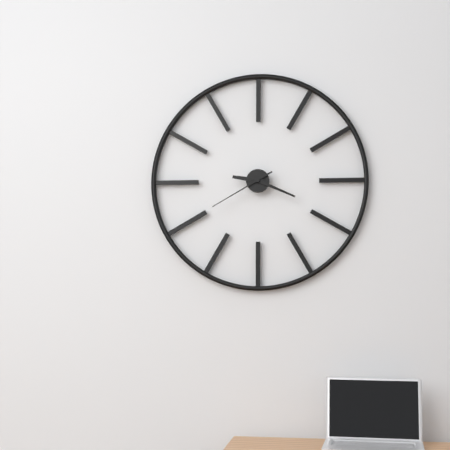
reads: 9,19,40
